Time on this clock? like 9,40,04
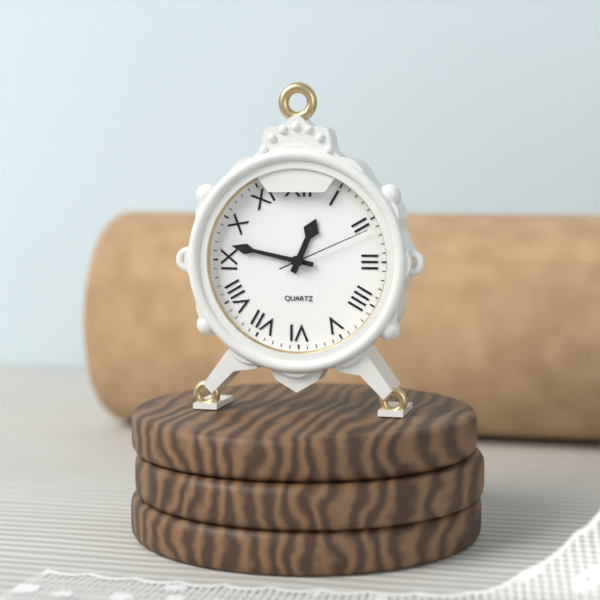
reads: 12,47,11
